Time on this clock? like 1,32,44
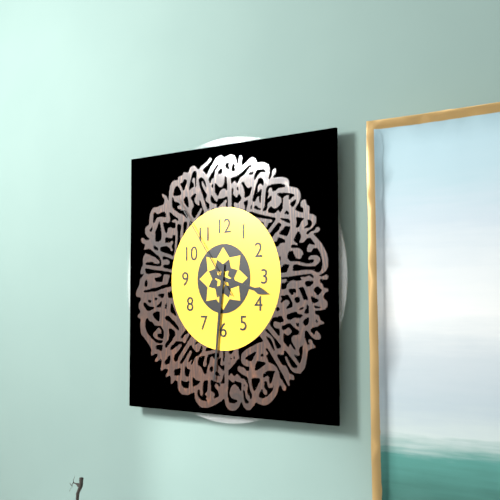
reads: 3,31,54
